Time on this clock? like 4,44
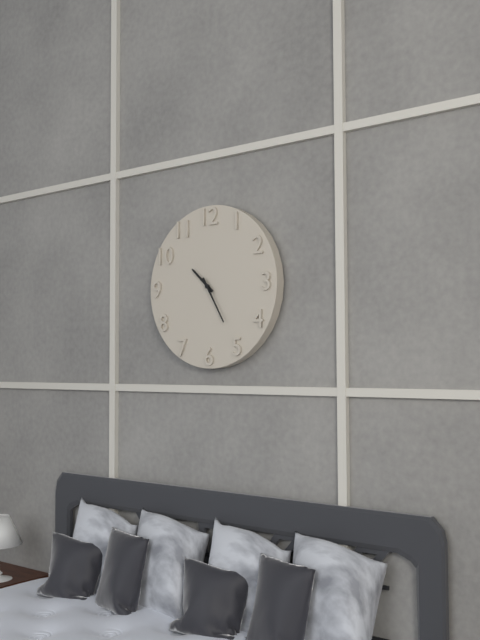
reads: 10,25
